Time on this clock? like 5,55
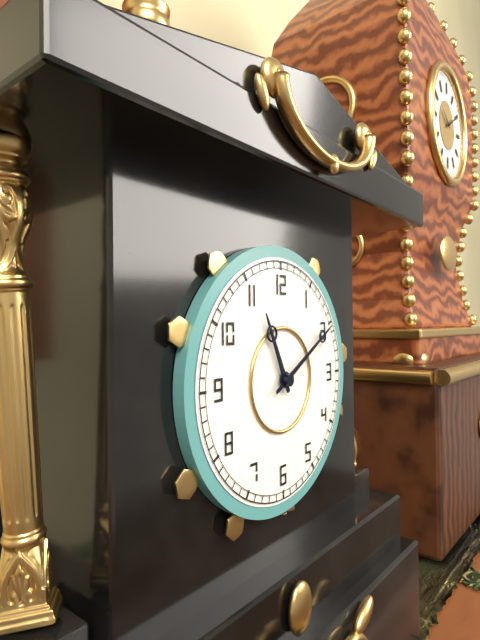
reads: 11,10
